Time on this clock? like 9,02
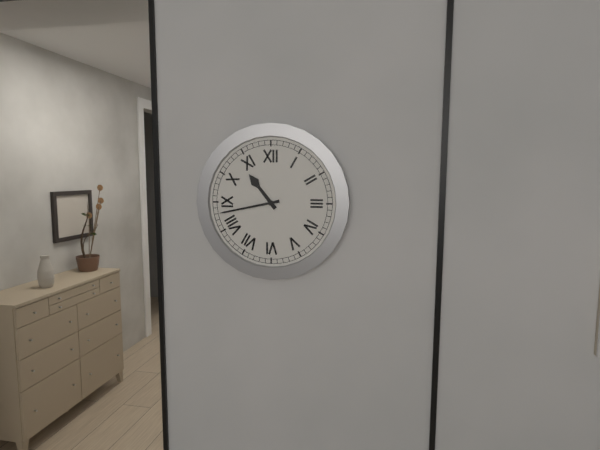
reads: 10,43
